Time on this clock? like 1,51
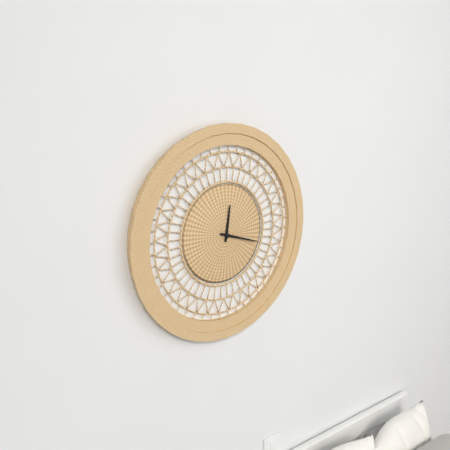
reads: 12,18
